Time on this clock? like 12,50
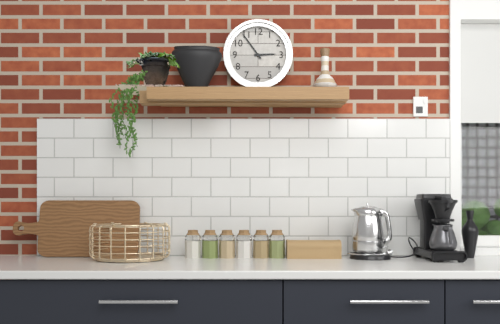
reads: 2,54
